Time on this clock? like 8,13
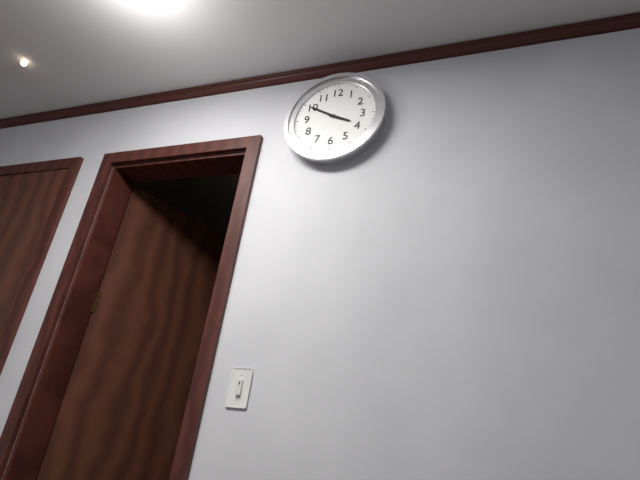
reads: 3,50
